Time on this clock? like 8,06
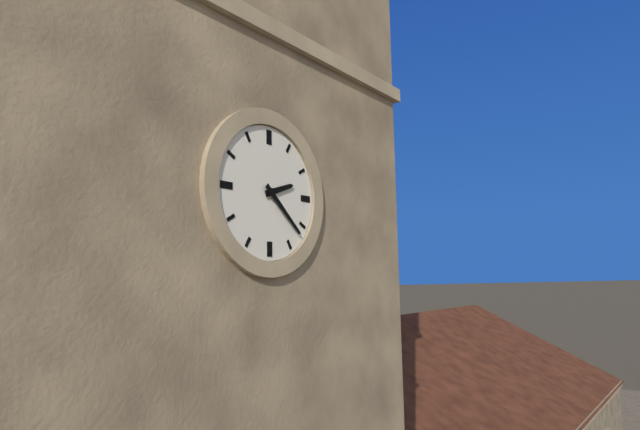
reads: 2,22
